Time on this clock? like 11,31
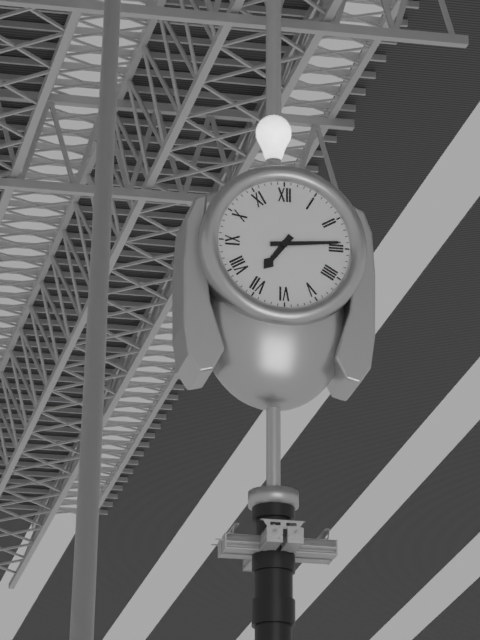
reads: 7,14
